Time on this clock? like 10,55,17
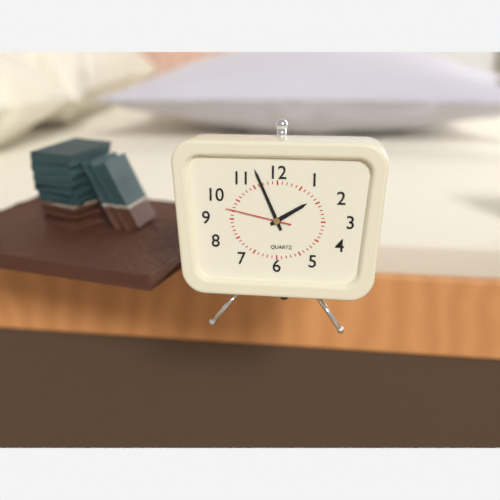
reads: 1,56,47
